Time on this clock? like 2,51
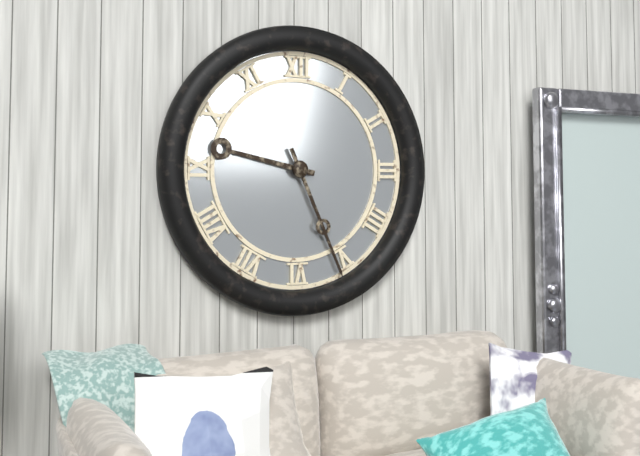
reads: 9,26
